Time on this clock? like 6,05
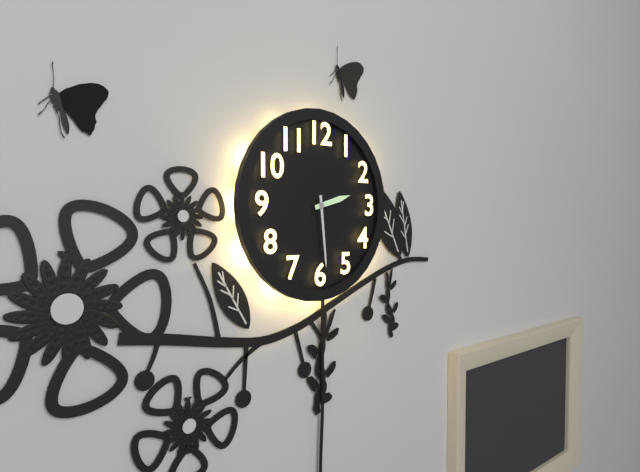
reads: 2,29
